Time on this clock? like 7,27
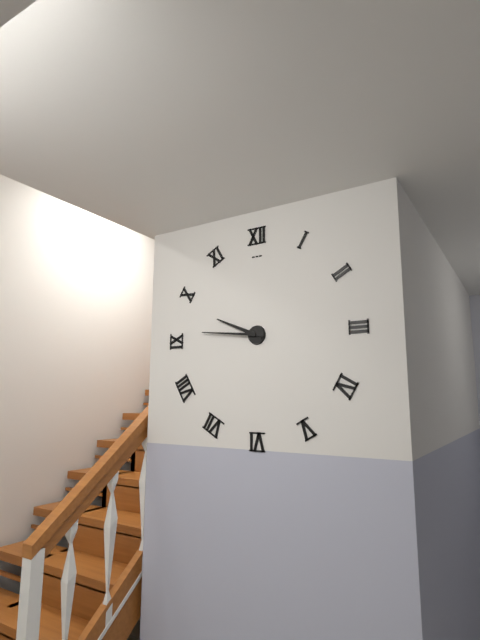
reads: 9,46
